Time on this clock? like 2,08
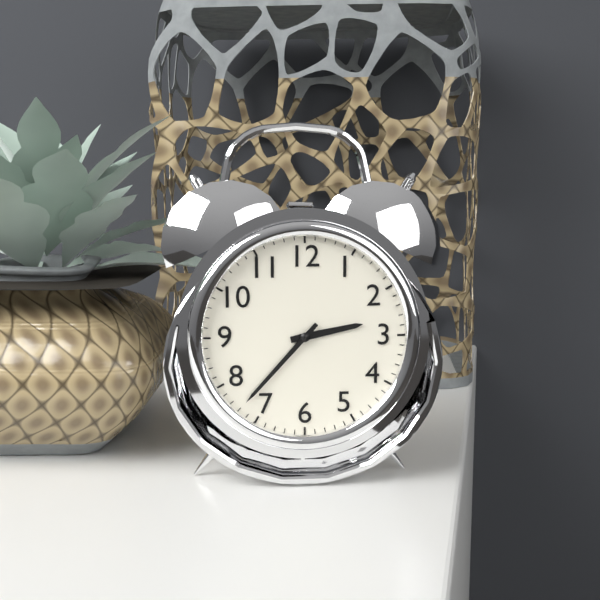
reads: 2,37
